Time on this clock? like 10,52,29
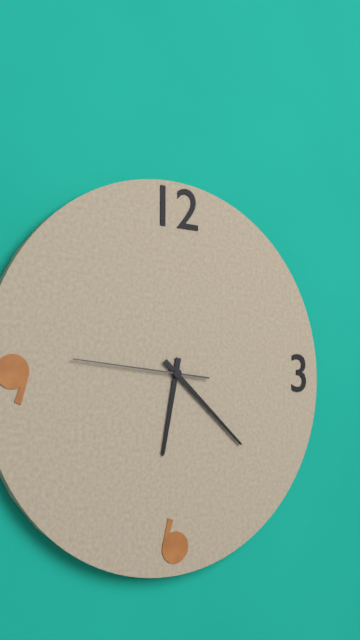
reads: 6,22,46
